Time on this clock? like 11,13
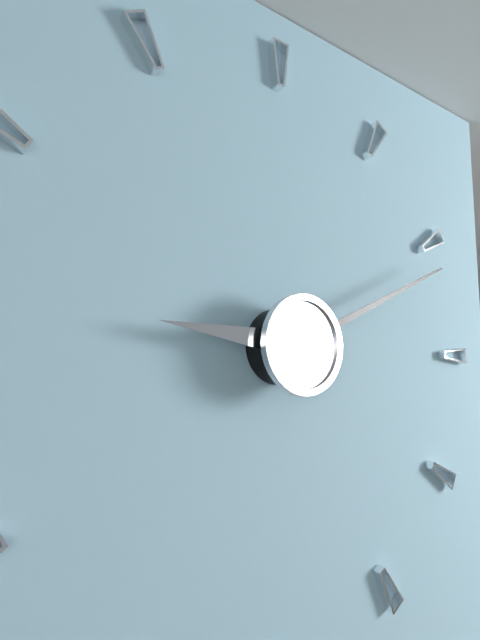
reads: 9,11
